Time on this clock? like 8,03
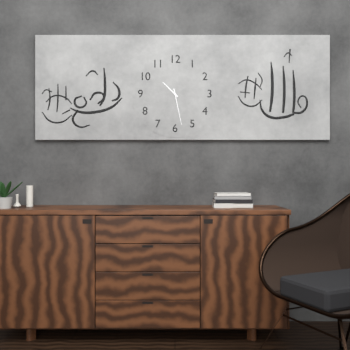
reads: 10,28
